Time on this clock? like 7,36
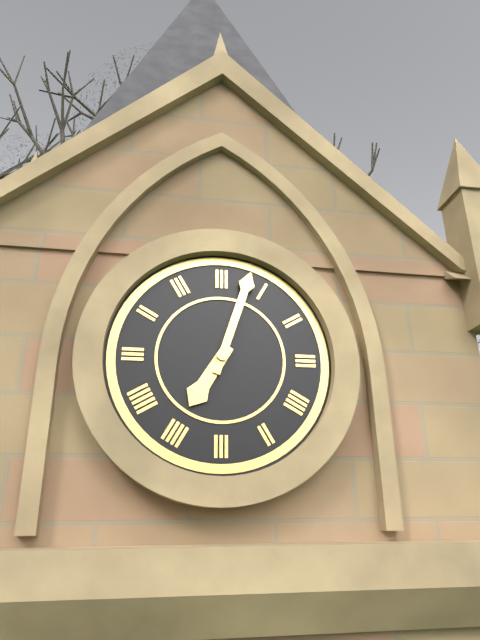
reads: 7,03
